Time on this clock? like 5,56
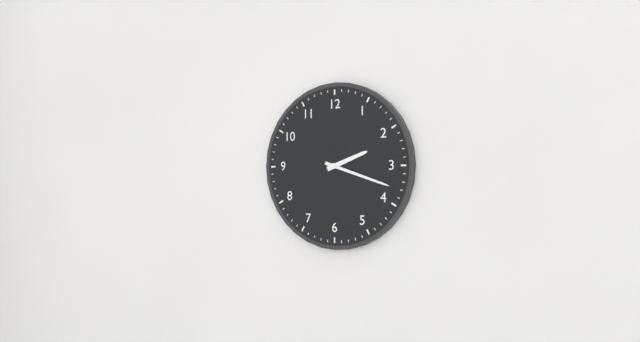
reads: 2,18
